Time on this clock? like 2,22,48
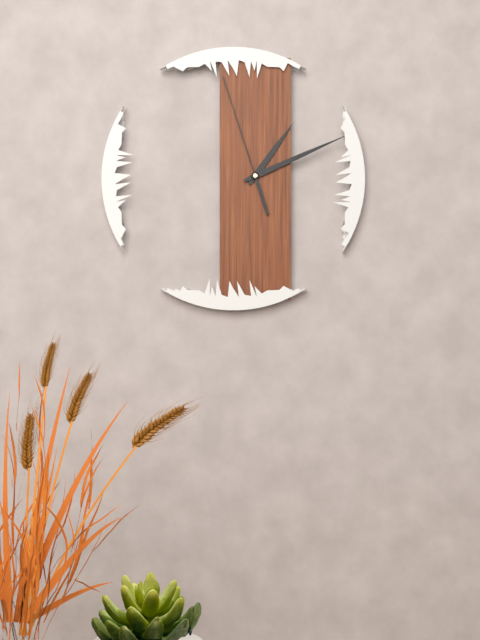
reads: 1,11,57
